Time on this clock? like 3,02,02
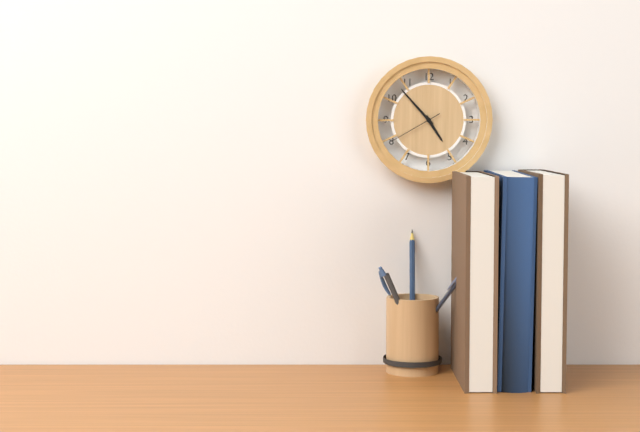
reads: 4,53,40
